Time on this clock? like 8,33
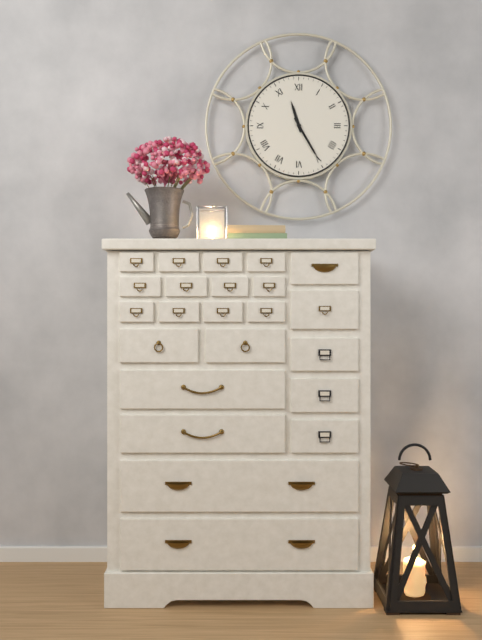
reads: 11,25
